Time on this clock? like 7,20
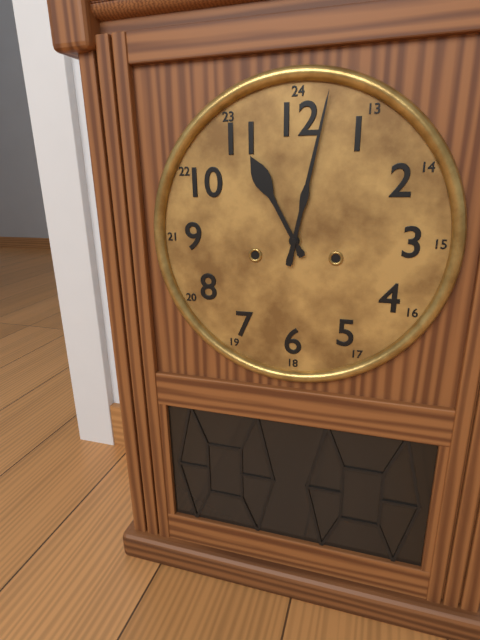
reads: 11,02
